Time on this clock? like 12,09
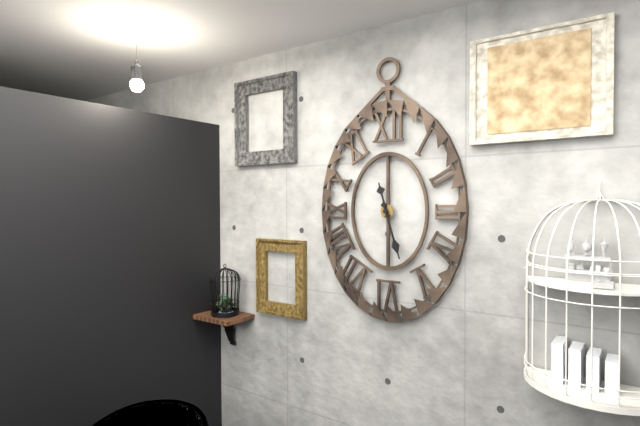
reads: 11,27
